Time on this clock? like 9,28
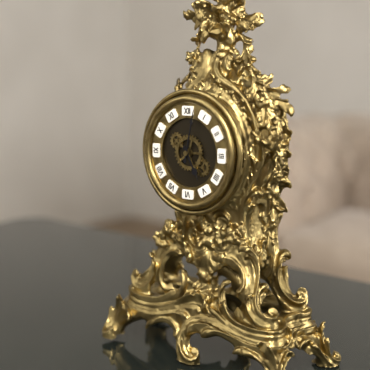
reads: 5,02
